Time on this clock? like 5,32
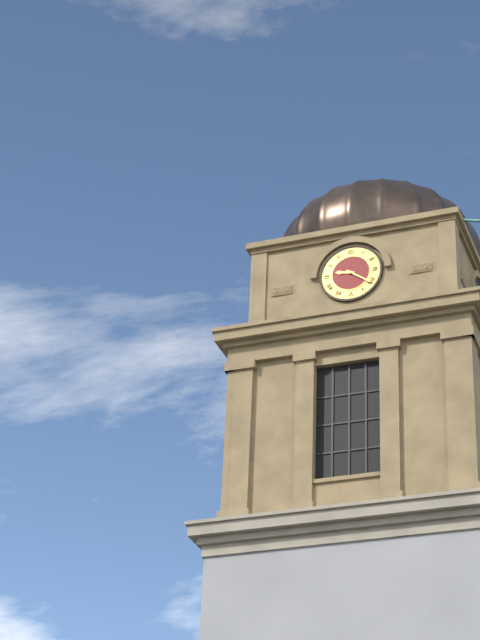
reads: 9,21
